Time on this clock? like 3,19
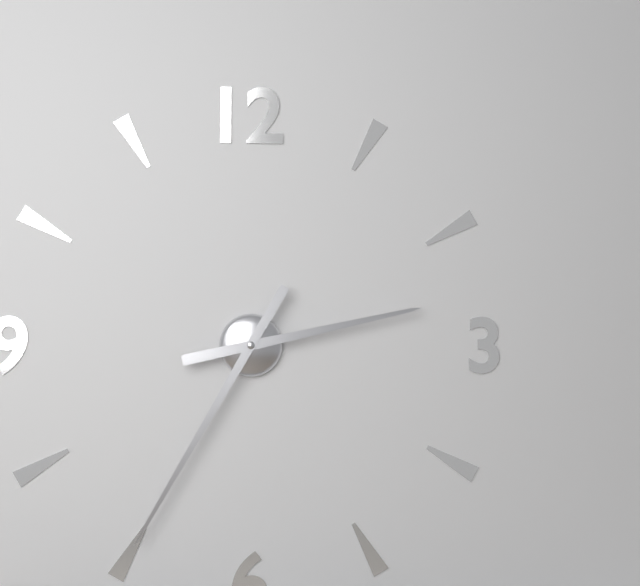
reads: 2,35
